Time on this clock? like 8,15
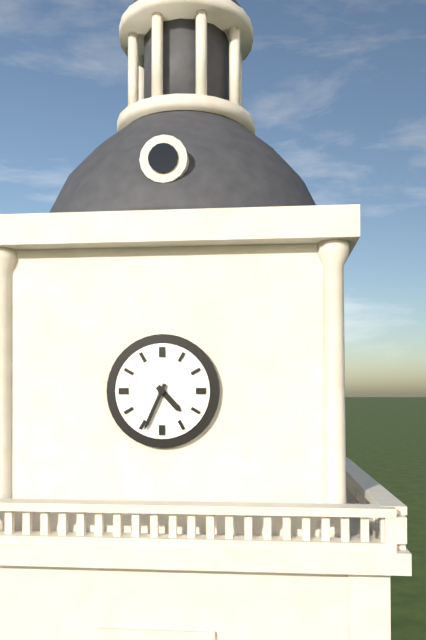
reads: 4,34
